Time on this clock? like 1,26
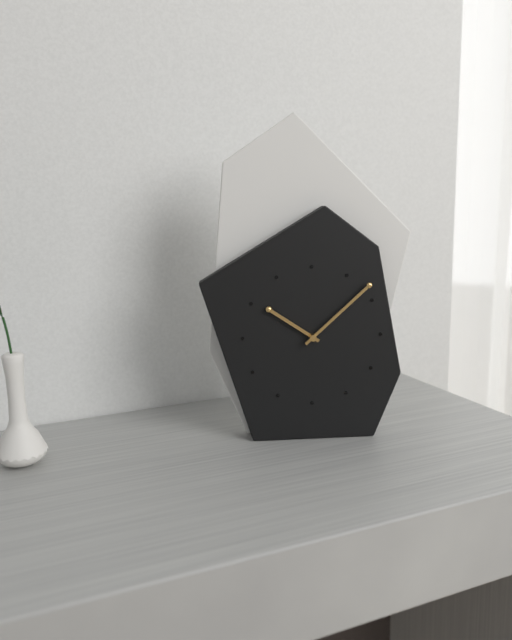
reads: 10,08
